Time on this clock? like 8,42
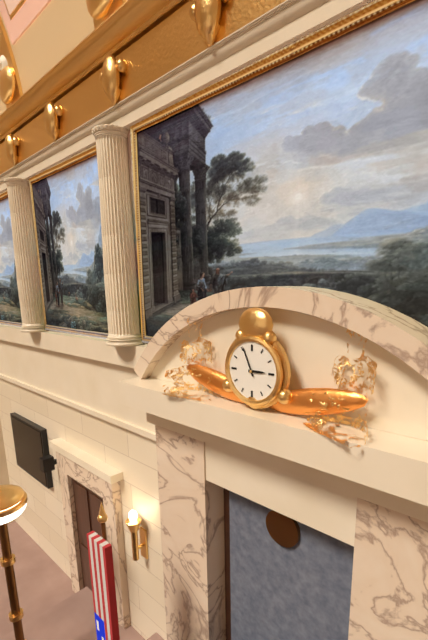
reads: 2,56
